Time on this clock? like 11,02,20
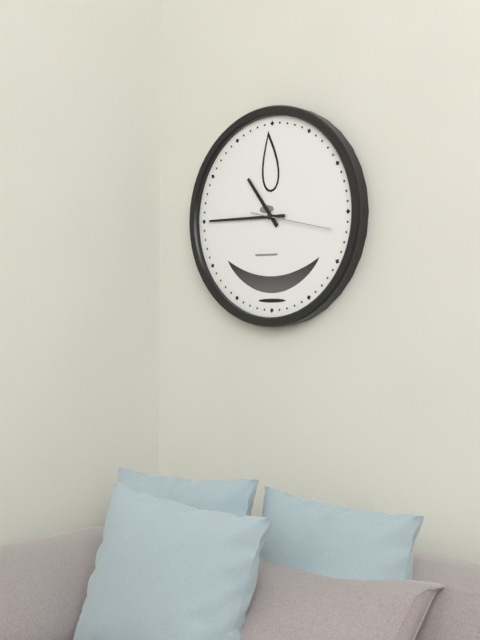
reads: 10,45,17
